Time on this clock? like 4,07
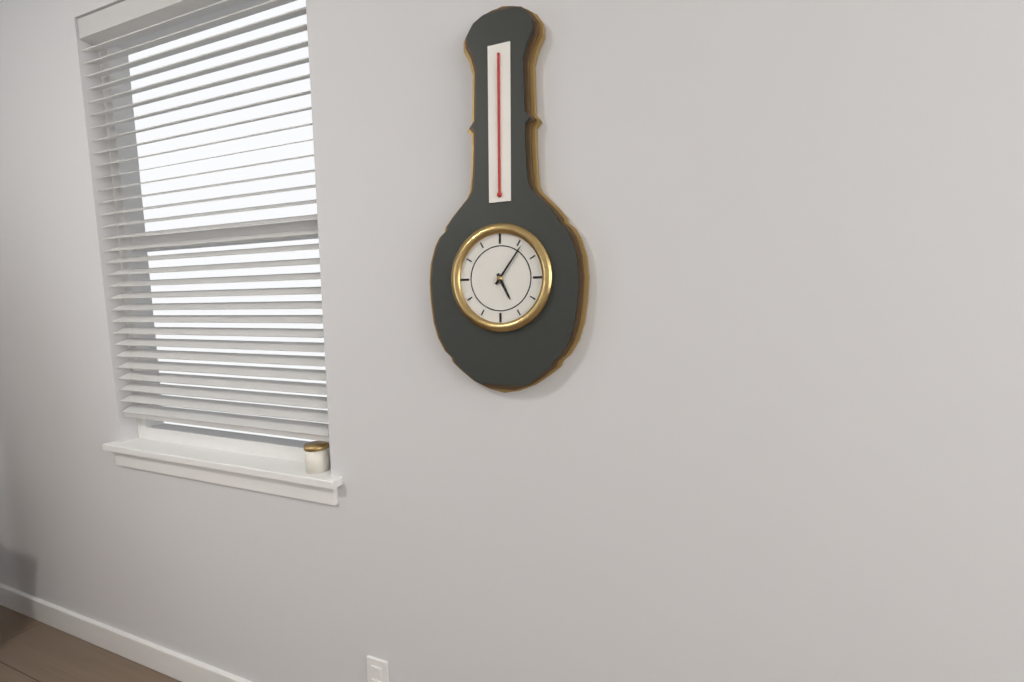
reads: 5,06
